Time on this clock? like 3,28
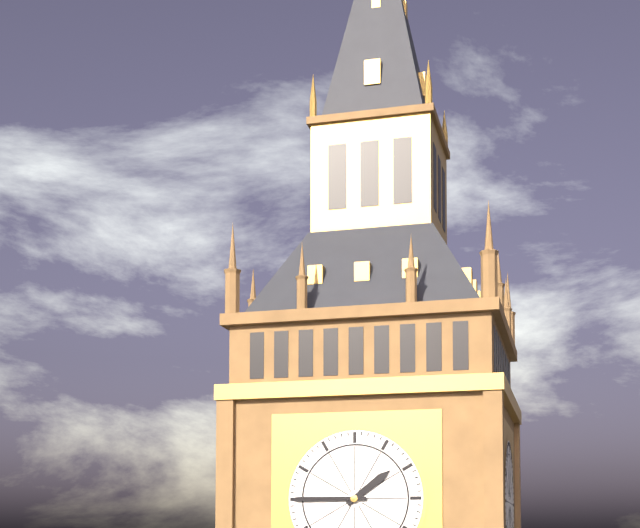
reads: 1,45
